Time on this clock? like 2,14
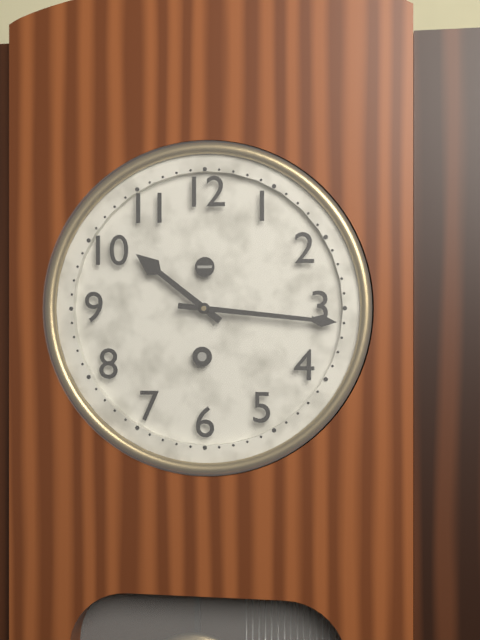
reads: 10,16
